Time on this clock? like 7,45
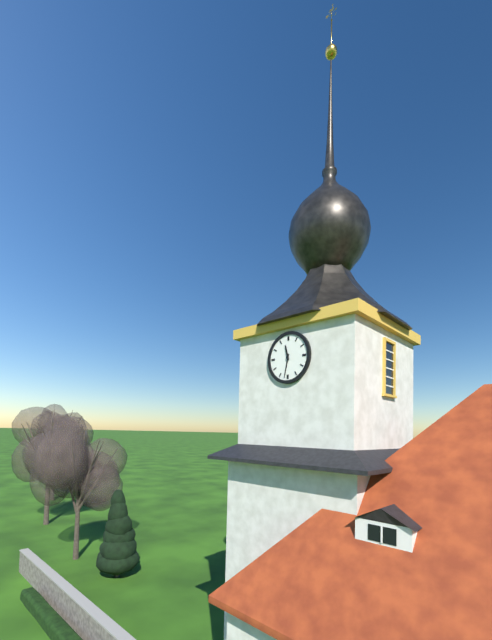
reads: 11,32
